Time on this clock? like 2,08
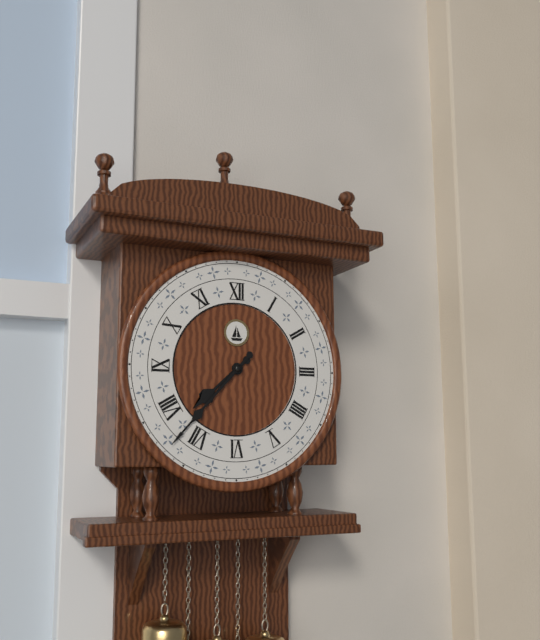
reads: 7,37
